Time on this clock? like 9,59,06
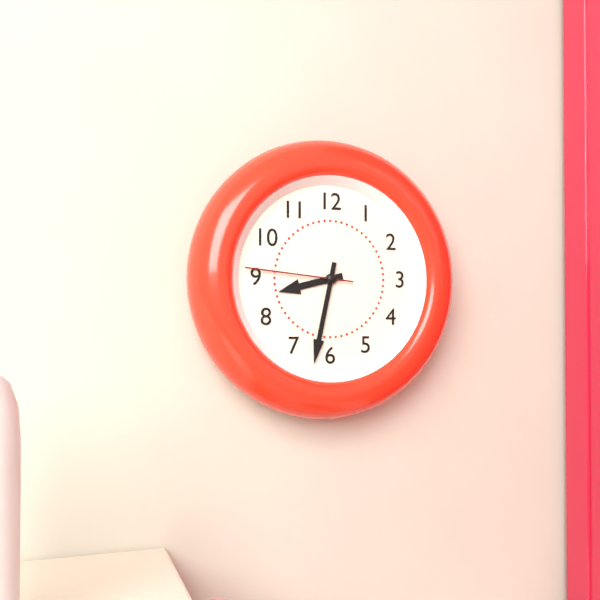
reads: 8,32,46
